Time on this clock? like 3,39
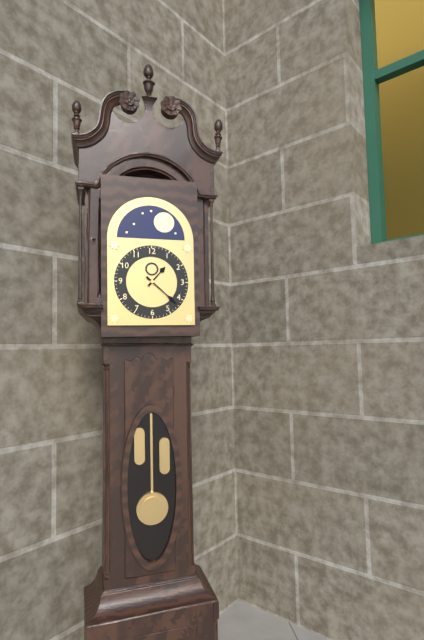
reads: 1,22
